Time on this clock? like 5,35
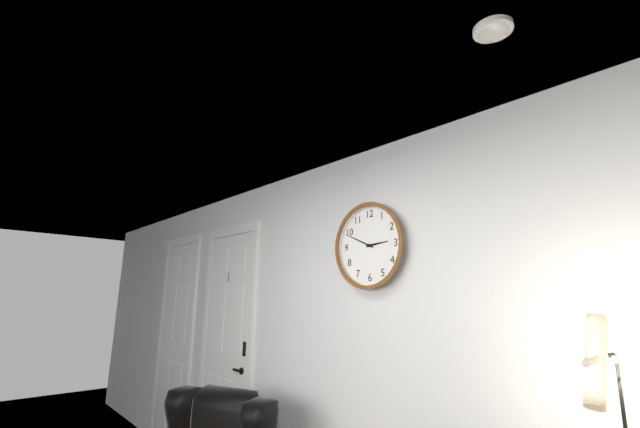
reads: 2,49
